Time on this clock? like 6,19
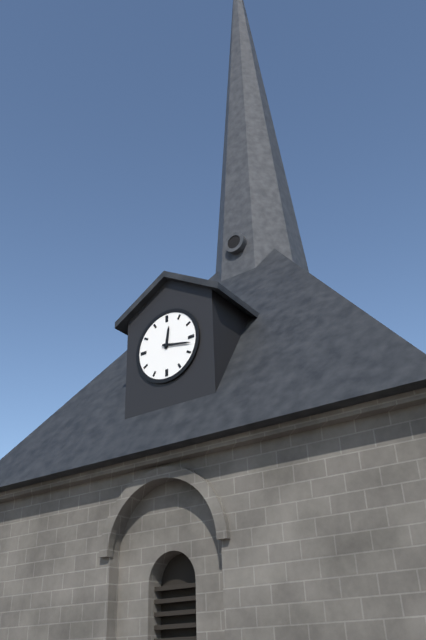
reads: 12,17
